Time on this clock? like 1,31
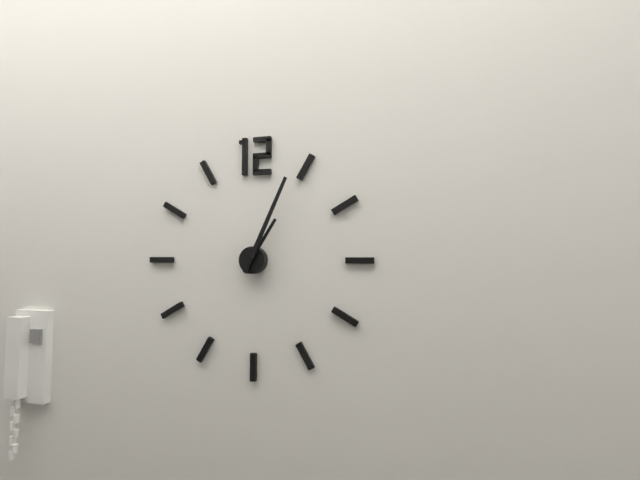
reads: 1,04
